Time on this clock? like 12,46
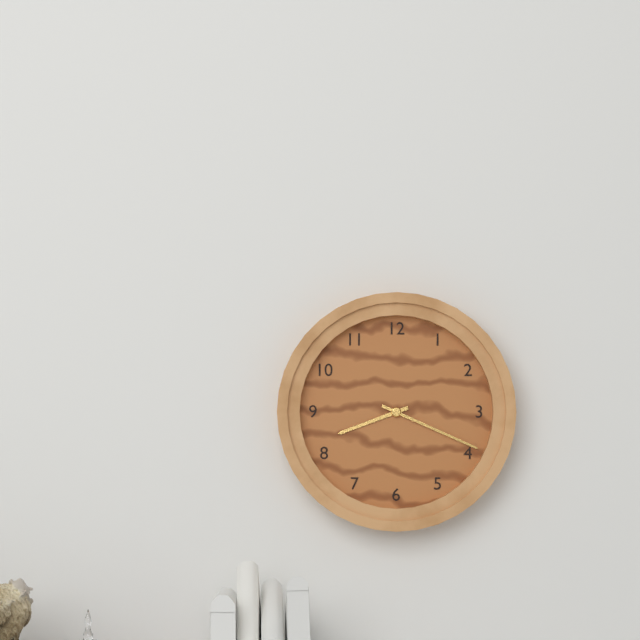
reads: 8,19
